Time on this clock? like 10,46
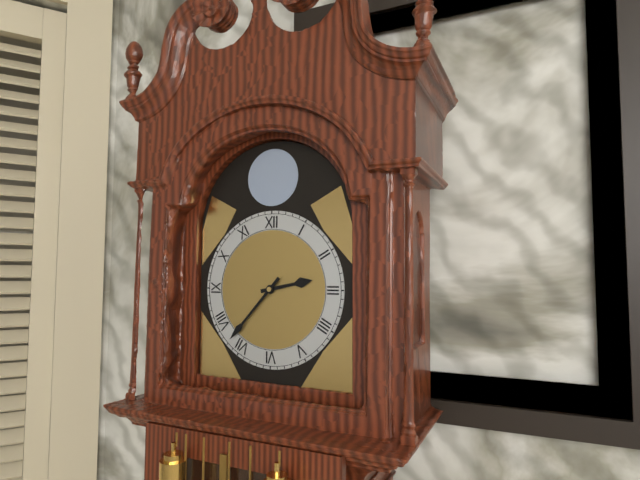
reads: 2,37
